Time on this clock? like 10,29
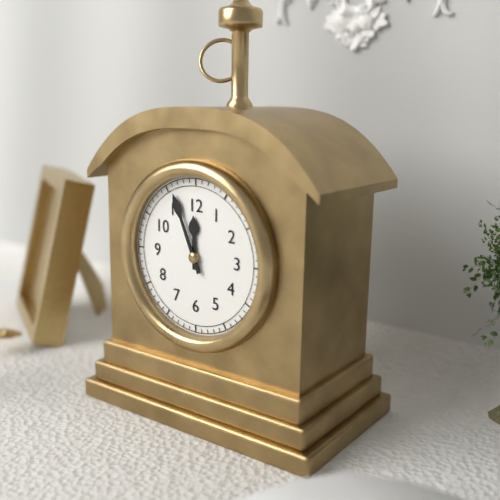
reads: 11,56
